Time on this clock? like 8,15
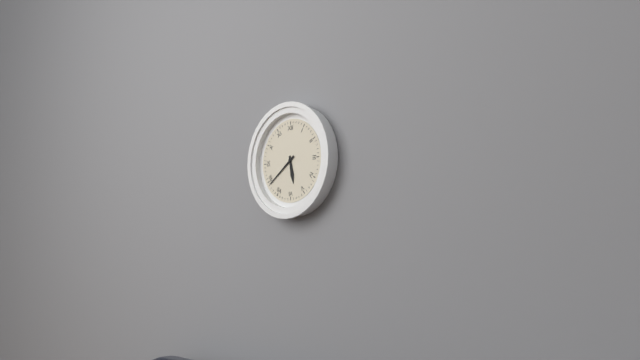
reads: 5,39
